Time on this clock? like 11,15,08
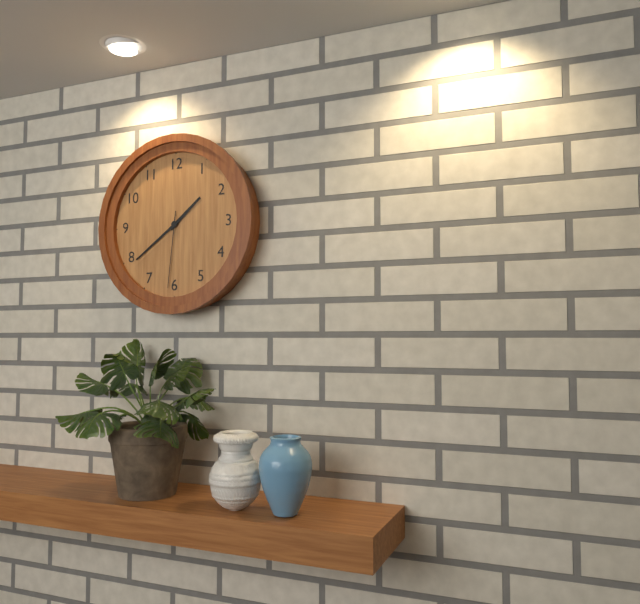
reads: 1,39,31
